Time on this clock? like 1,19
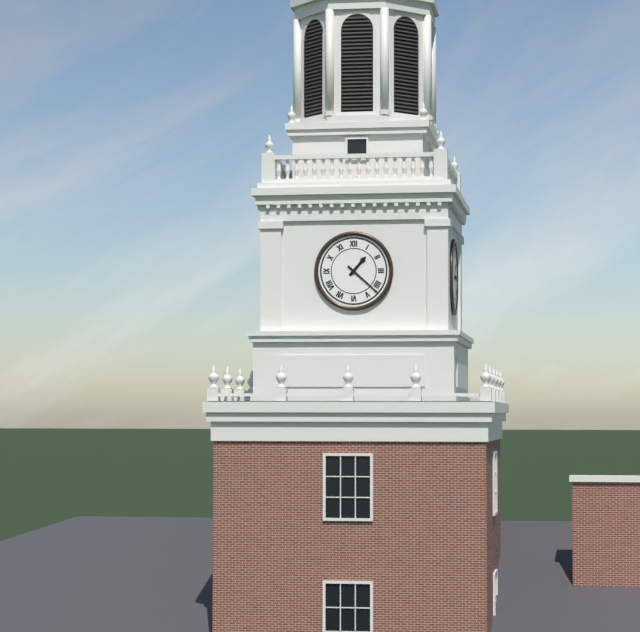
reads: 1,22
